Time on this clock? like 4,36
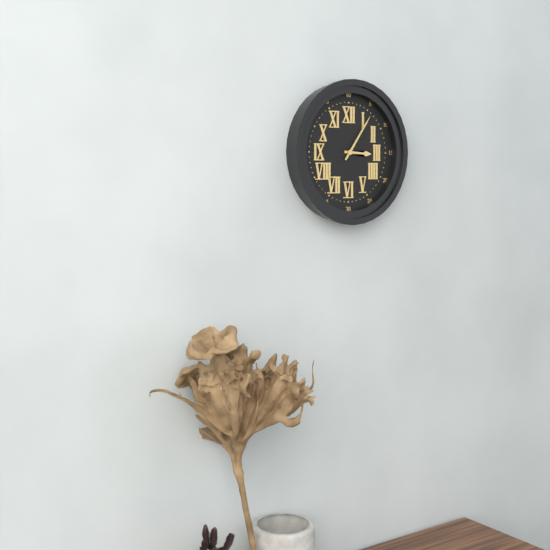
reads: 3,06
